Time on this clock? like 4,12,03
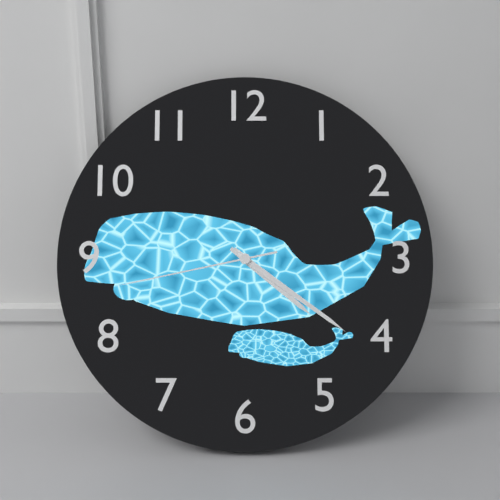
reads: 4,21,43
